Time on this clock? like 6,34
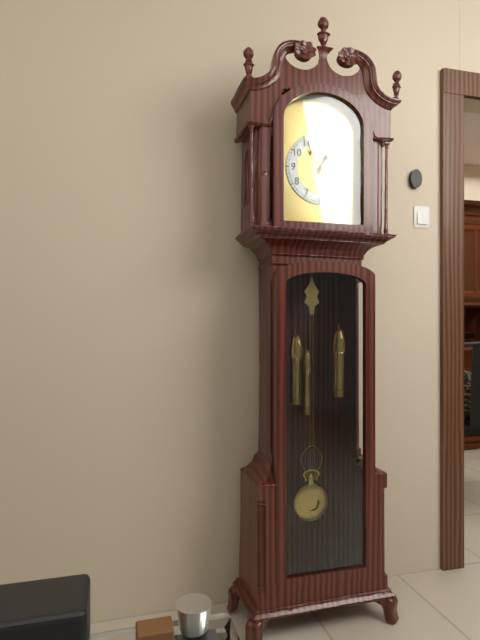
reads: 12,55
